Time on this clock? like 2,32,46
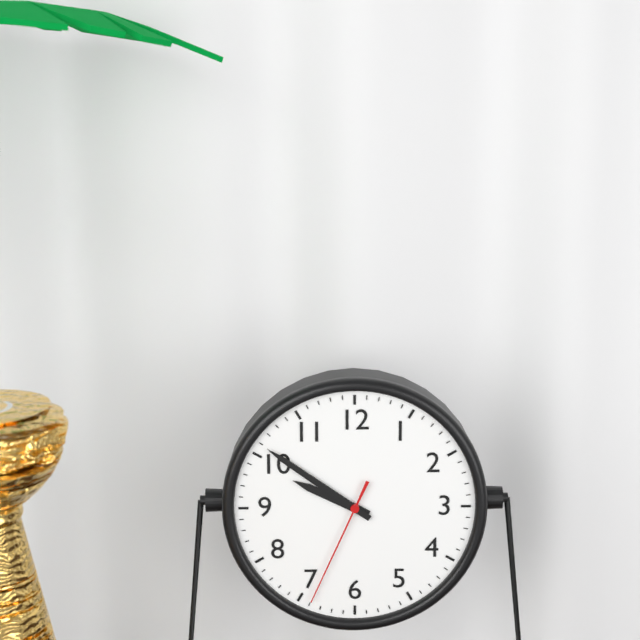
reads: 9,51,34
